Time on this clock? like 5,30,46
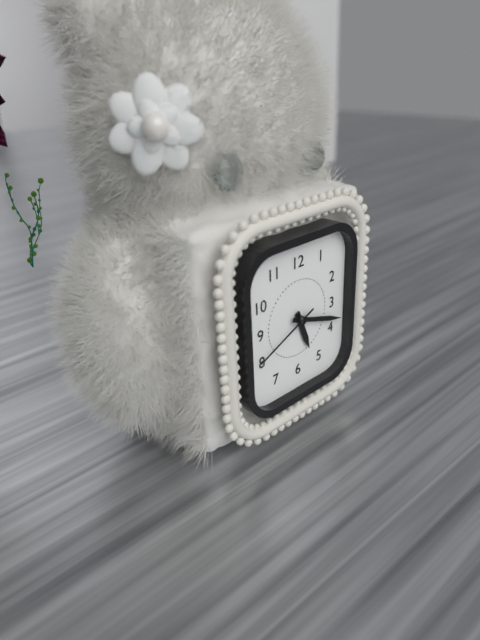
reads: 5,18,41
